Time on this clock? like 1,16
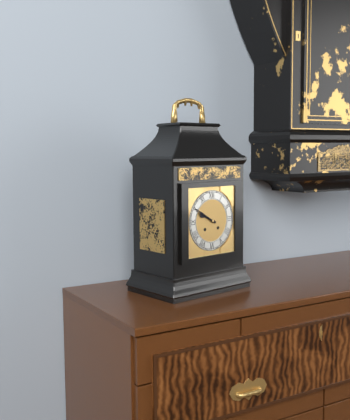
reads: 9,50
